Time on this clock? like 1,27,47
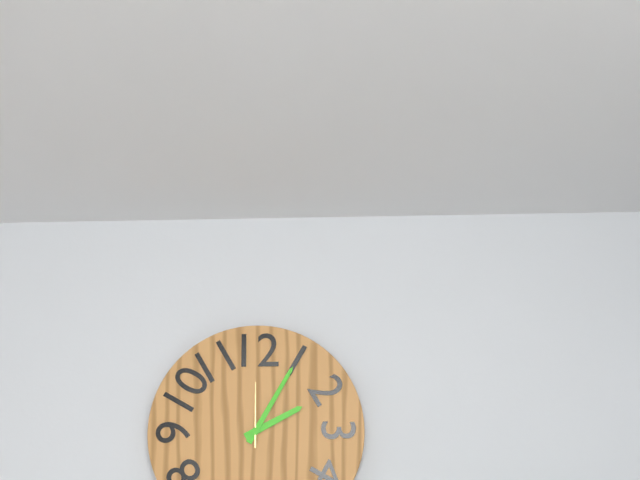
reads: 2,05,00
